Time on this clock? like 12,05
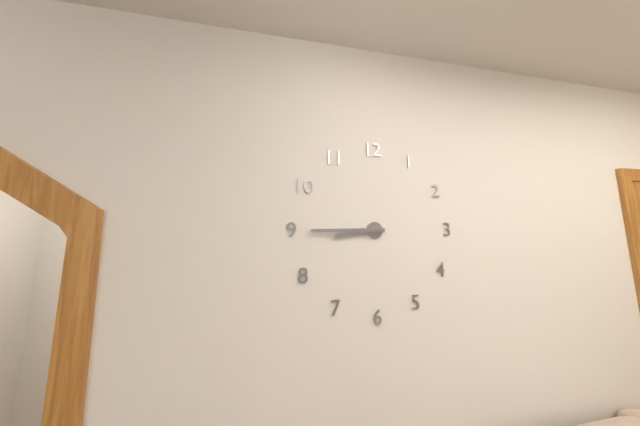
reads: 8,45
